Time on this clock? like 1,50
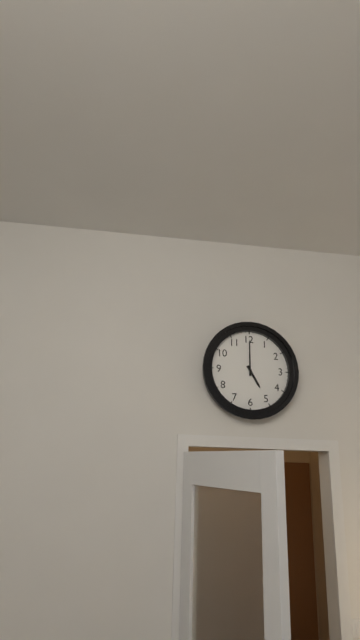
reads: 5,00
